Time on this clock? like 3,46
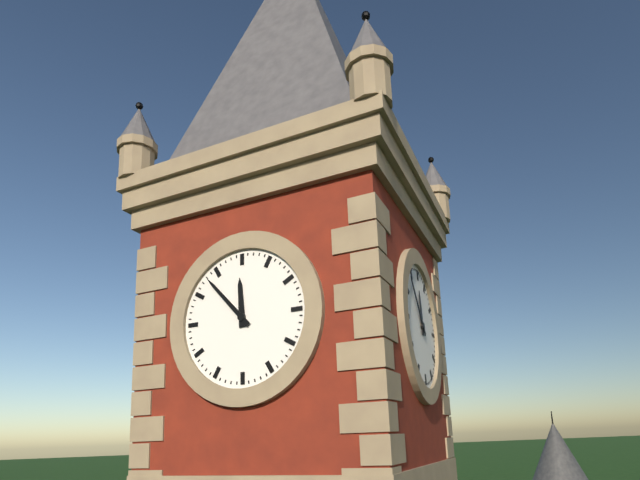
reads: 11,53
